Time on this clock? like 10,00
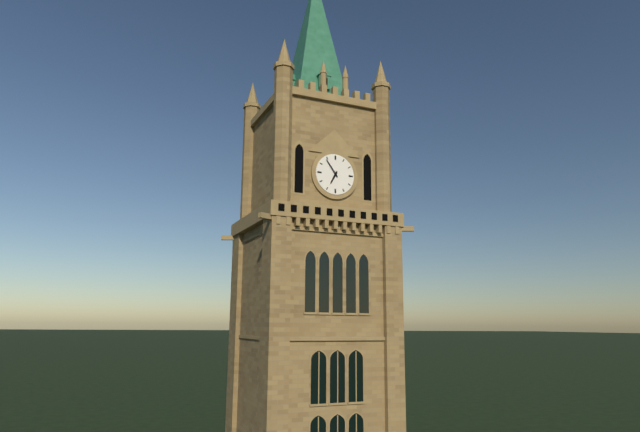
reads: 6,54
